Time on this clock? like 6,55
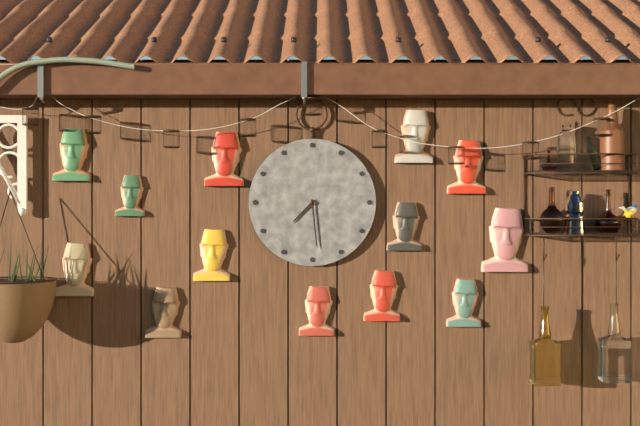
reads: 7,29
